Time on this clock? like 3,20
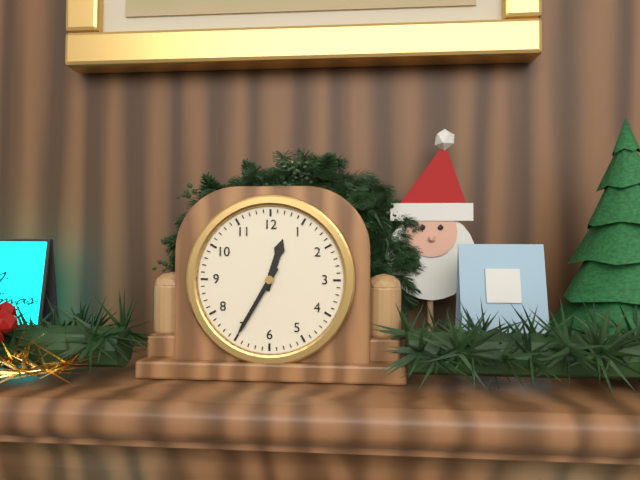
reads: 12,35
